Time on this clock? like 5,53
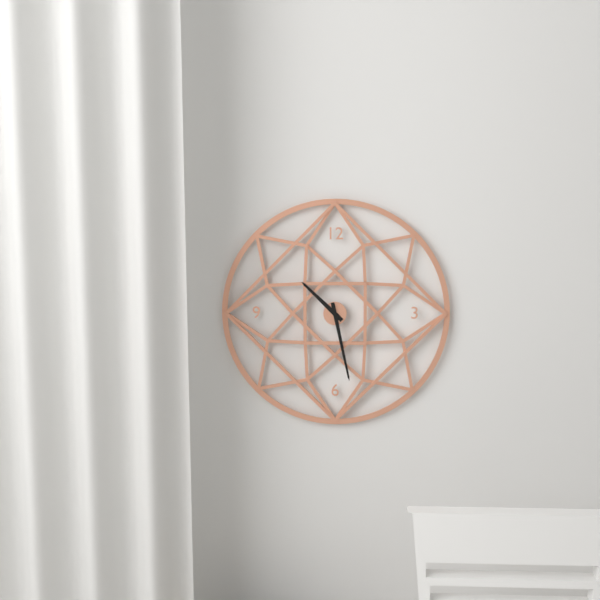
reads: 10,28
